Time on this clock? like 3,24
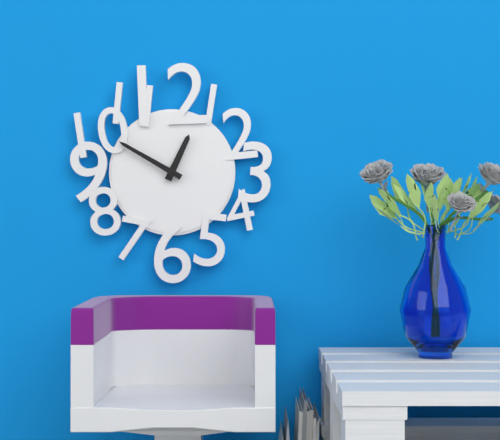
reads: 12,50
